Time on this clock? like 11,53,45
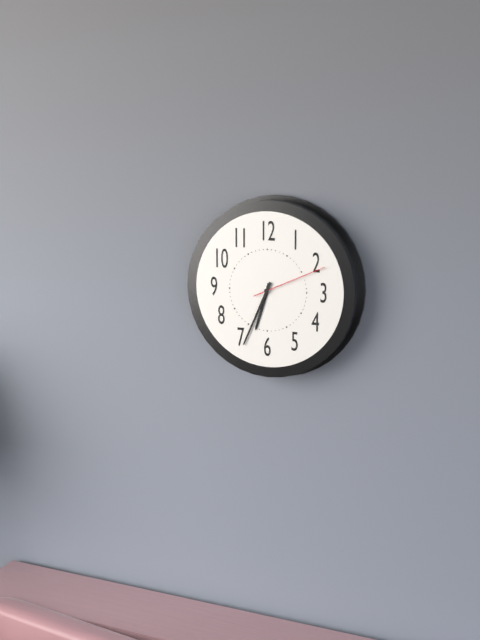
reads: 6,34,11
